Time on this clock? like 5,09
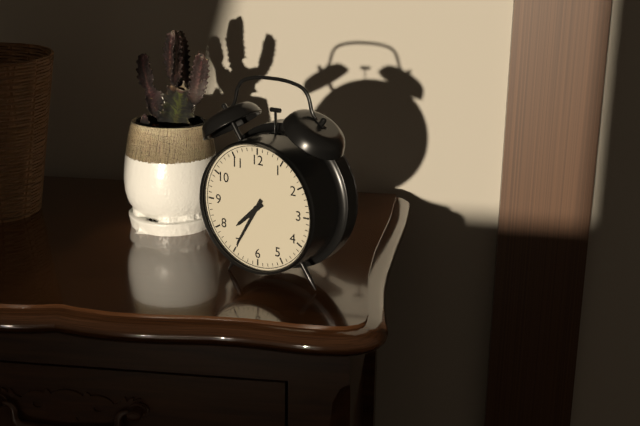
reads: 7,35
